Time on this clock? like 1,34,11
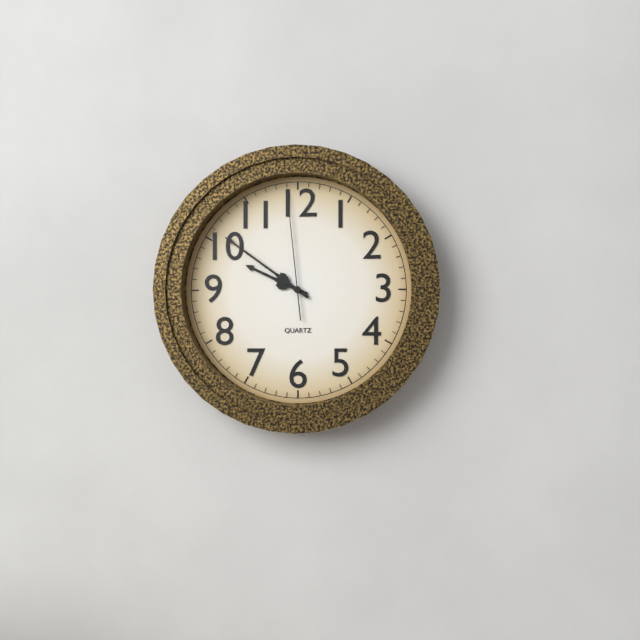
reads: 9,51,59
